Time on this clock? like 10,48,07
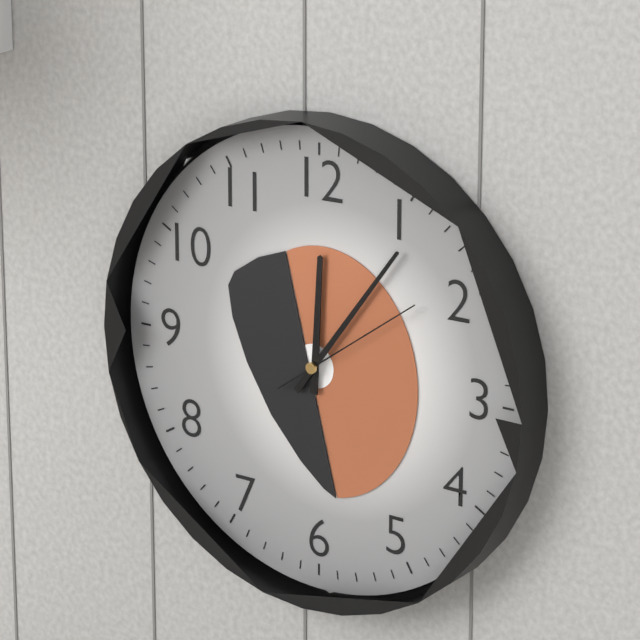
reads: 12,06,09
